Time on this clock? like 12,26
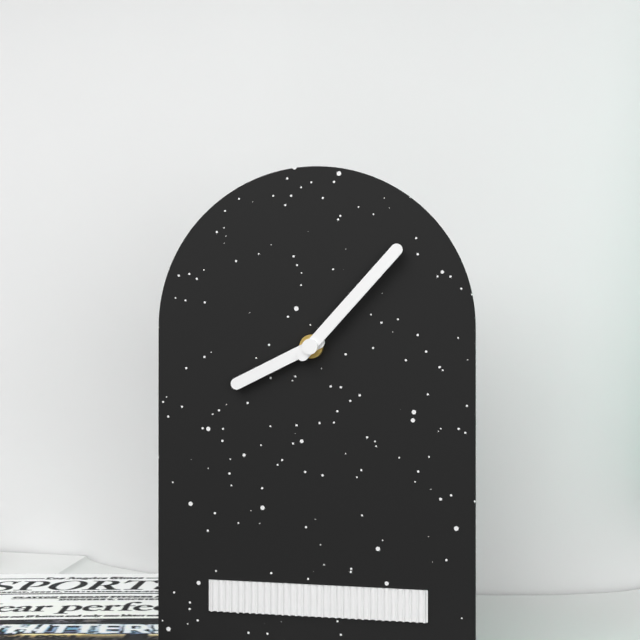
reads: 8,07
